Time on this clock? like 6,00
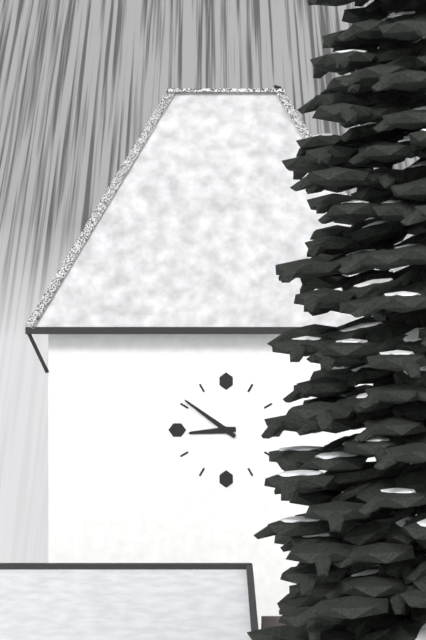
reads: 8,51
